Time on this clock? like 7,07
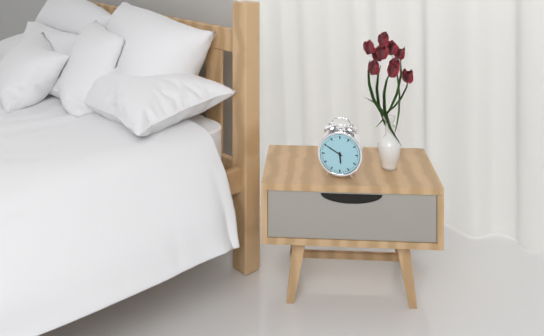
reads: 5,50
